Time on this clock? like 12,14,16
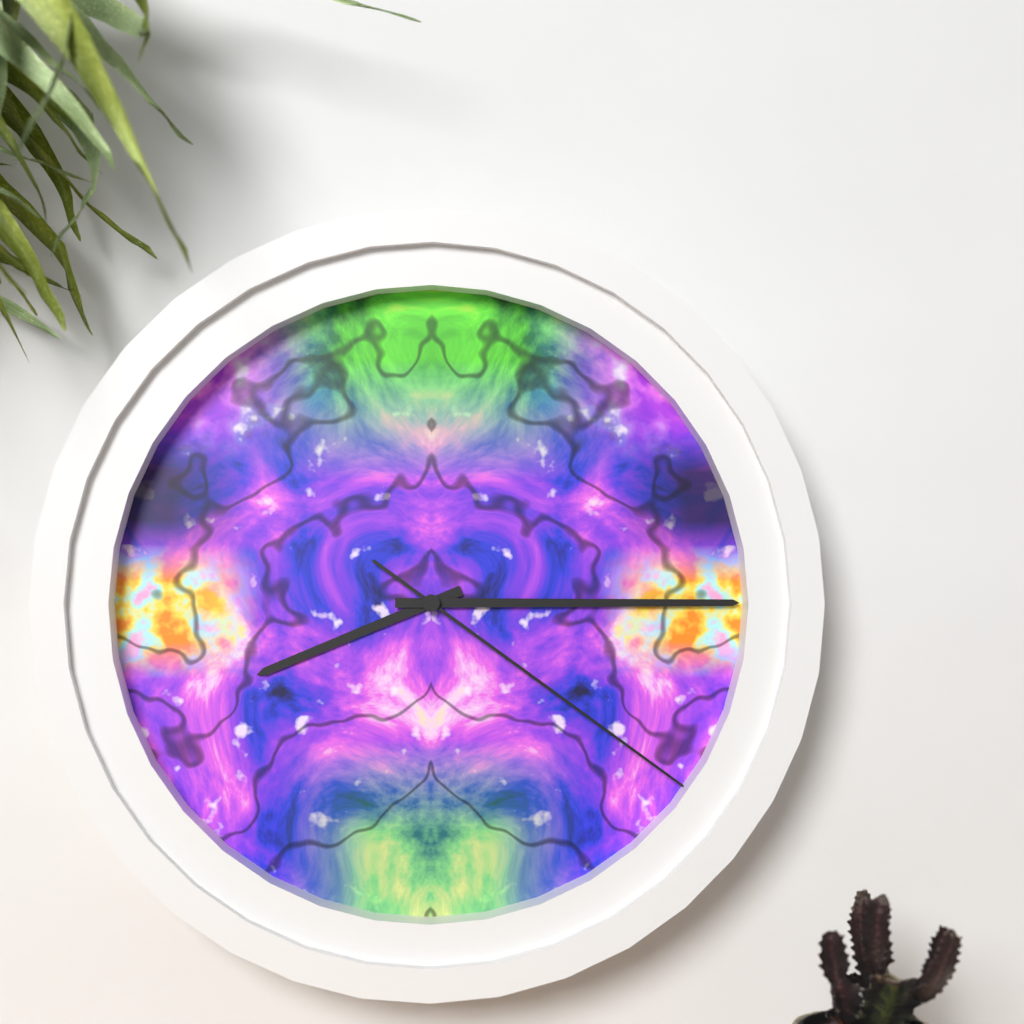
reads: 8,15,21
